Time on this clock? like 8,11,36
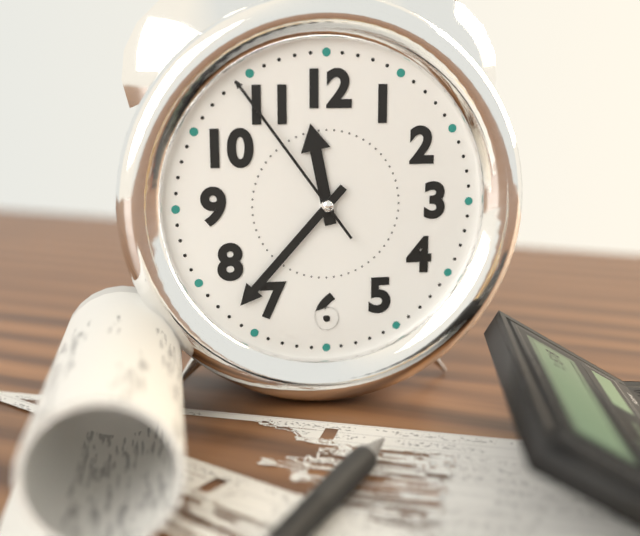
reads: 11,37,54
